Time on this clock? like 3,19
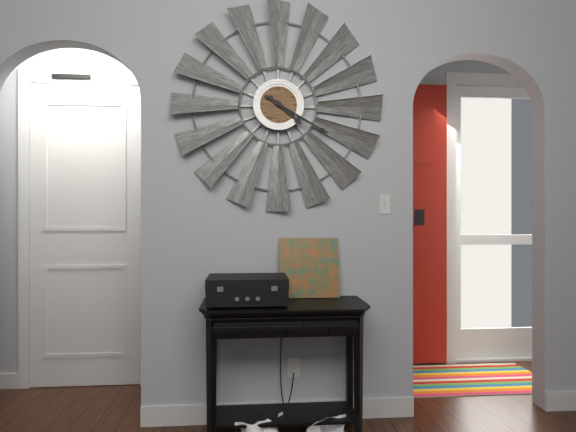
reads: 4,20
